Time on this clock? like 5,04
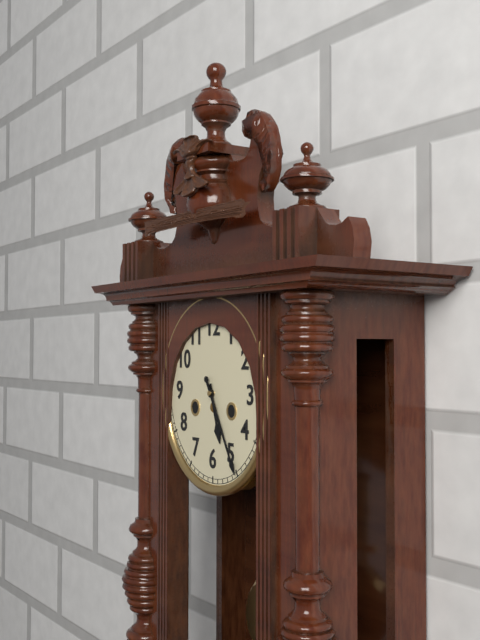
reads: 5,25
